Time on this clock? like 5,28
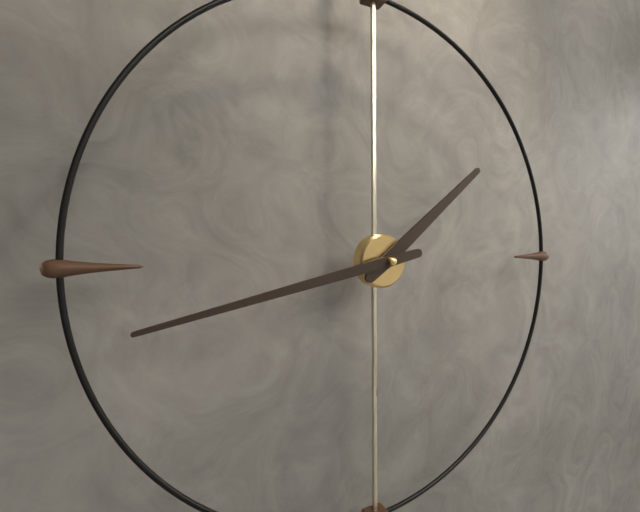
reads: 1,43
